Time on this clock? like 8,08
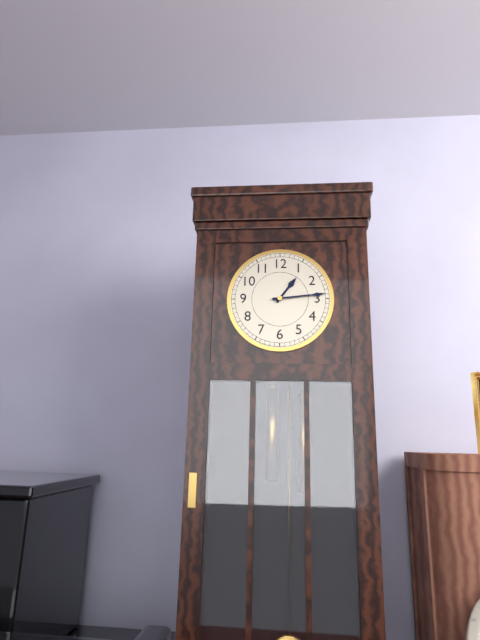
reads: 1,14
